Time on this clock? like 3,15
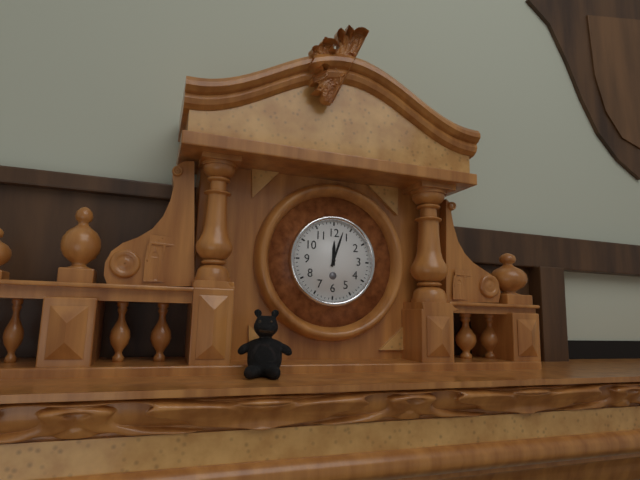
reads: 12,03
